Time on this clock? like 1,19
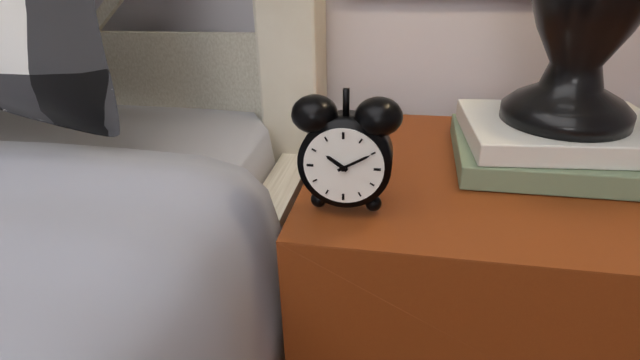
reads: 10,10
